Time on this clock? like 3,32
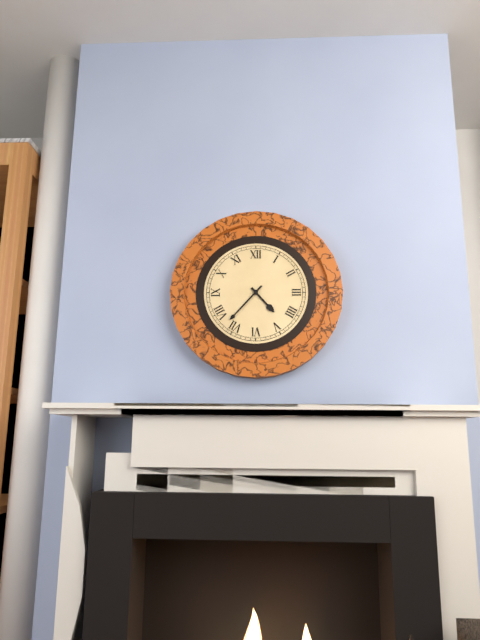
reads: 4,37
